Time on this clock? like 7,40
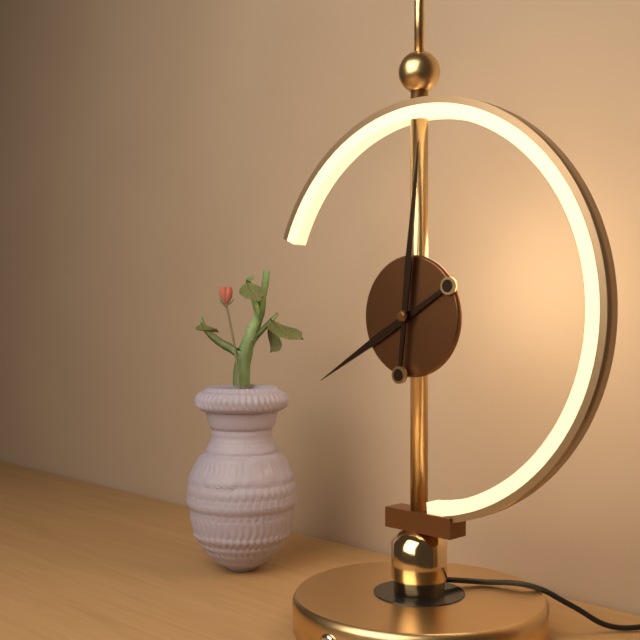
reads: 8,01
